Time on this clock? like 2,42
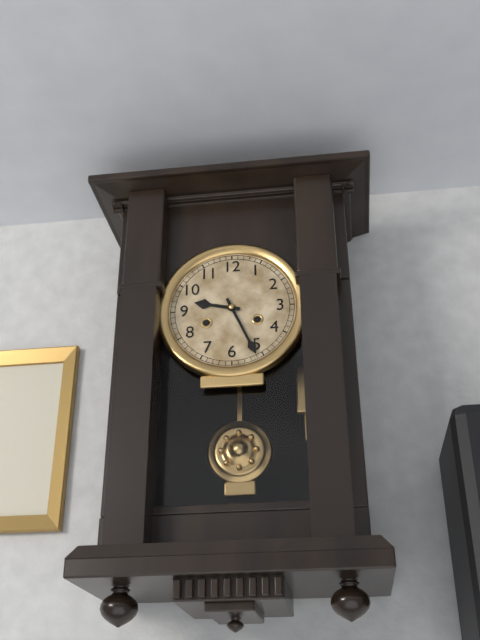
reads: 9,26
